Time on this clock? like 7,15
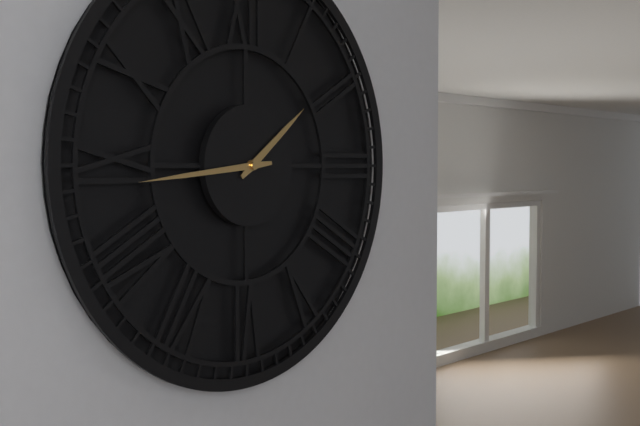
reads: 1,44
